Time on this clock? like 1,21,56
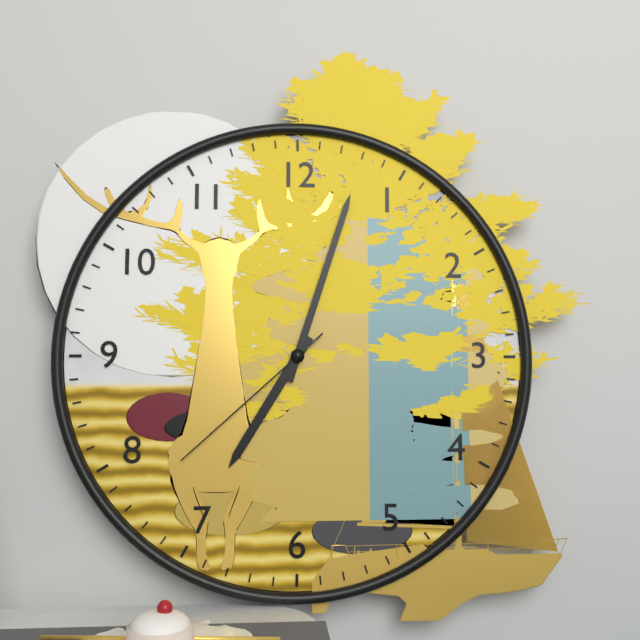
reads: 7,03,38
